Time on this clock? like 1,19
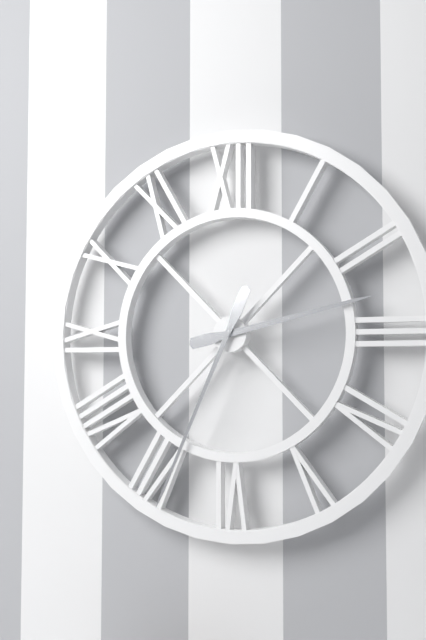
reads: 2,34
